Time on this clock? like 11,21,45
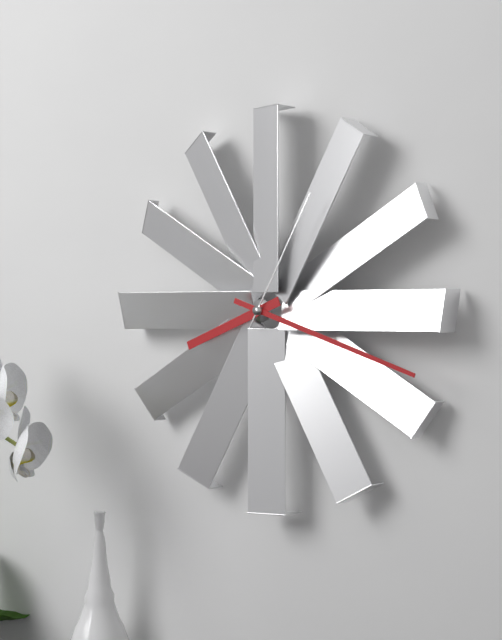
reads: 8,18,05
